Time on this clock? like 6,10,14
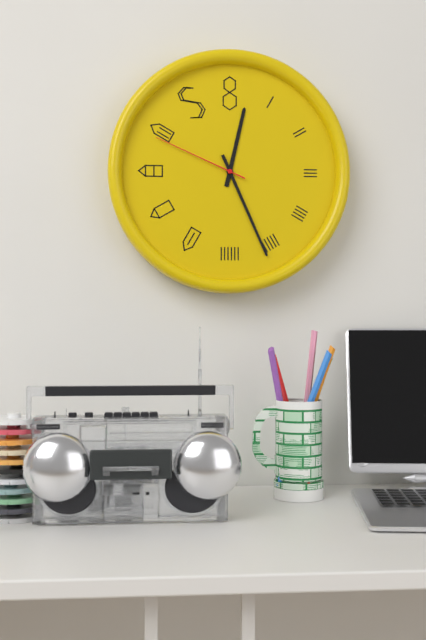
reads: 12,26,49
